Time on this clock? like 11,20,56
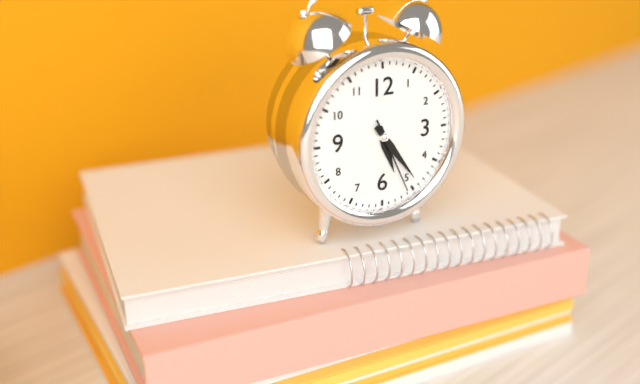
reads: 5,24,26
